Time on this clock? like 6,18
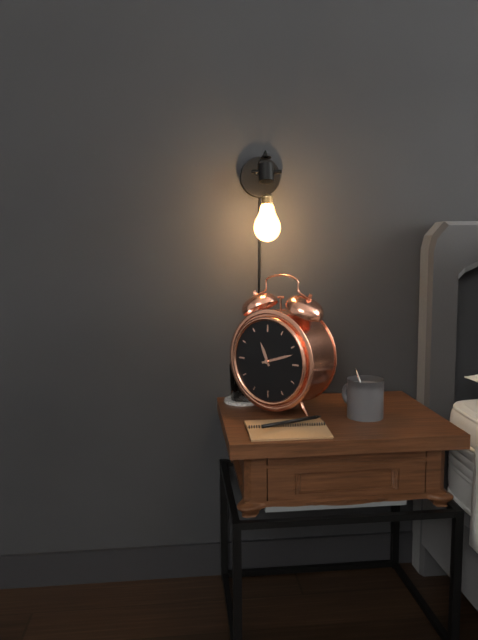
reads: 11,12
